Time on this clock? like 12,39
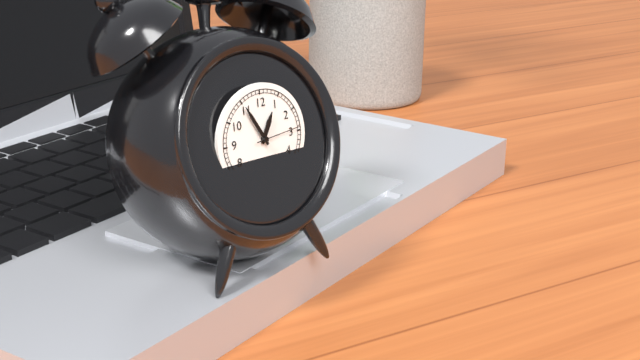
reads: 12,55
